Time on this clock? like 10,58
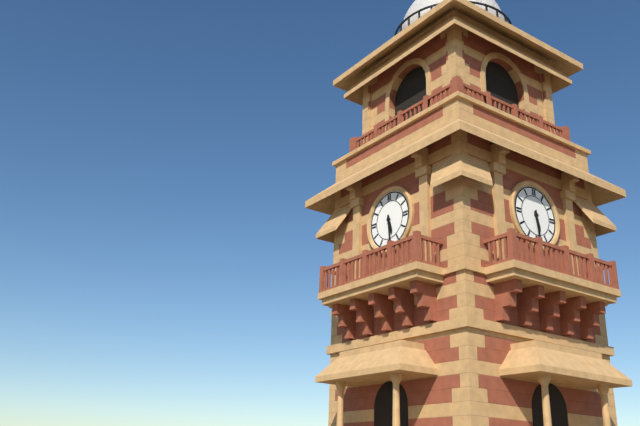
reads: 5,29
